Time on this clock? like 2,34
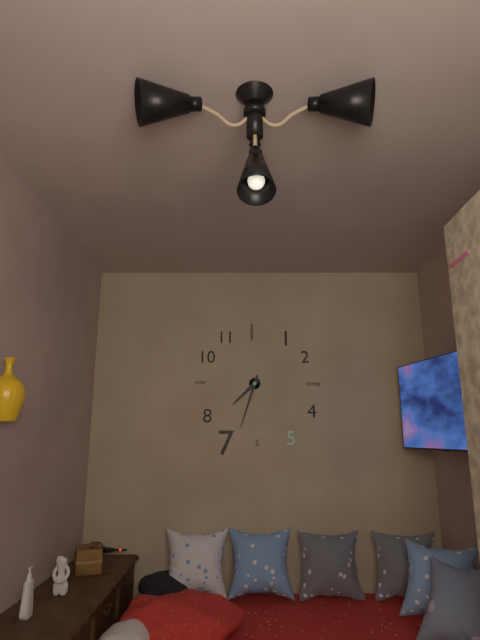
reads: 7,33
